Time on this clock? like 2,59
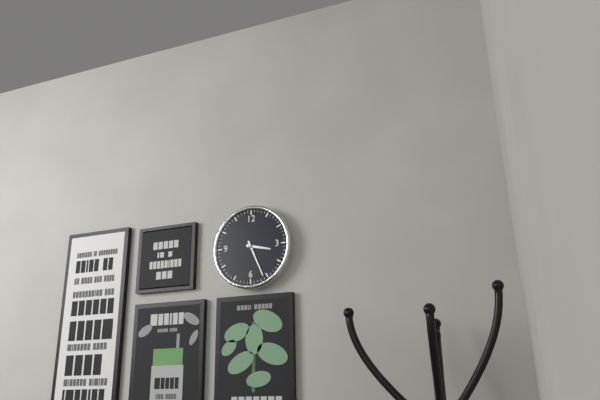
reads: 3,26
